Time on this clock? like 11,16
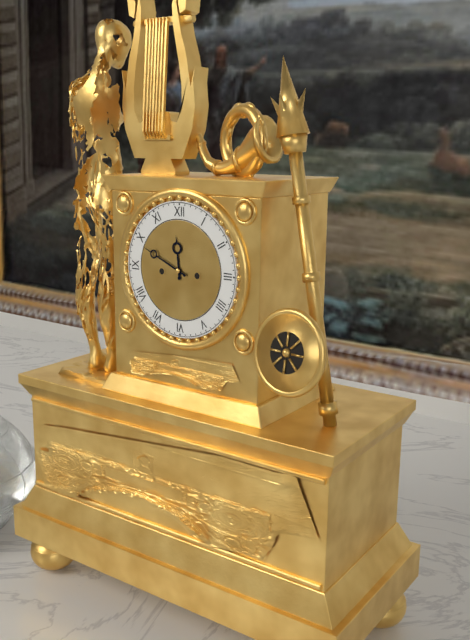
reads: 11,49
